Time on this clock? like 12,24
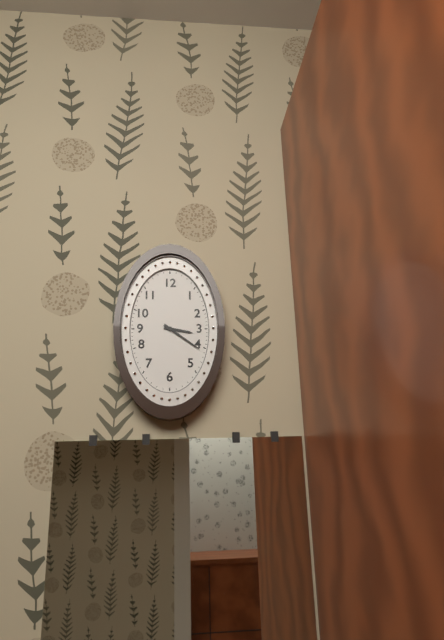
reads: 3,21
